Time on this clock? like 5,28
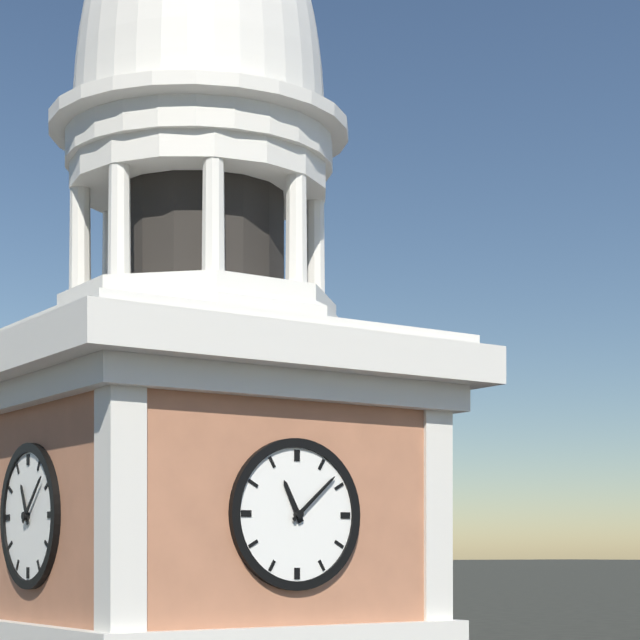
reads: 11,08
